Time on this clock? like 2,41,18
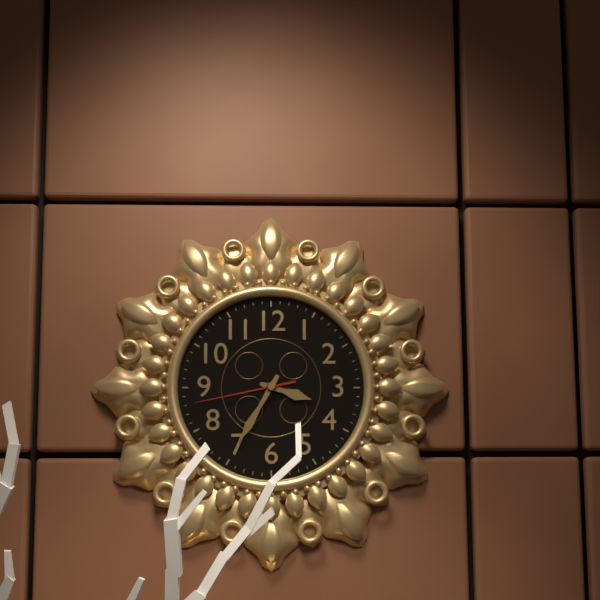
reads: 3,35,43
